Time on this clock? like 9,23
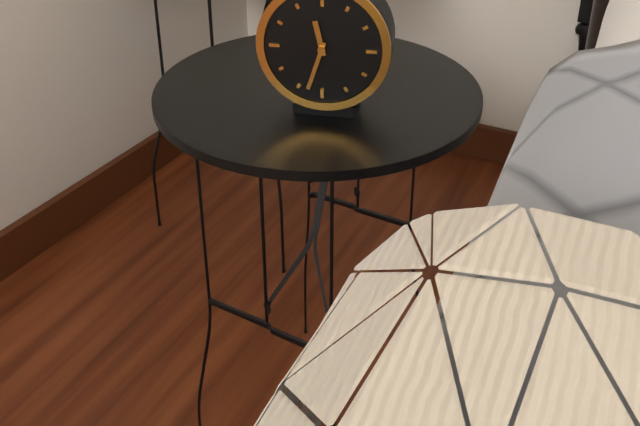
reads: 11,33
